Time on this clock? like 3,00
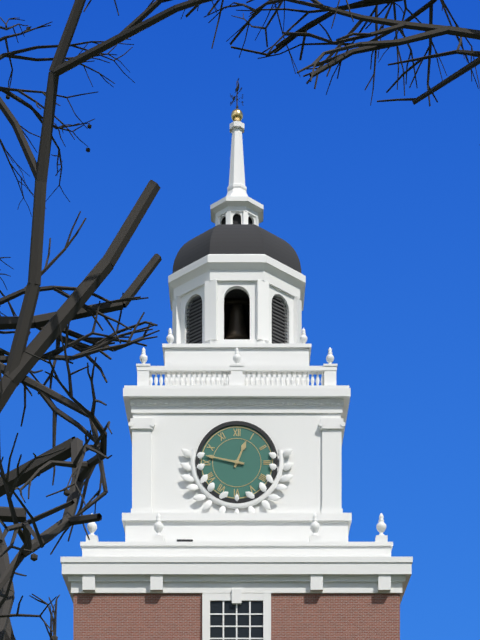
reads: 12,47
